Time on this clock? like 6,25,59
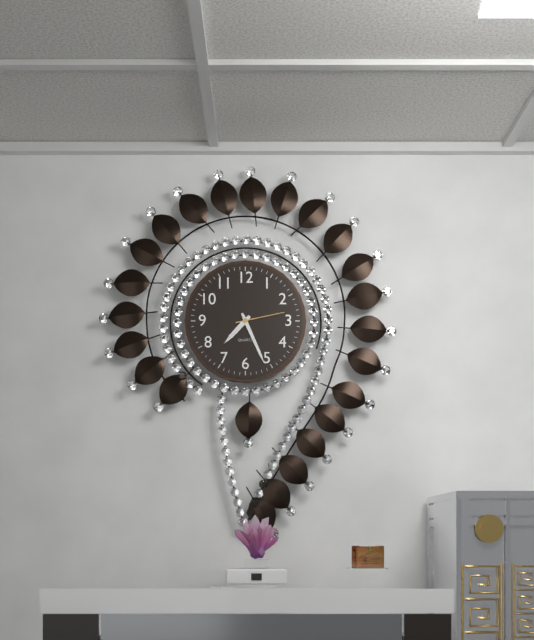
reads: 7,26,13
